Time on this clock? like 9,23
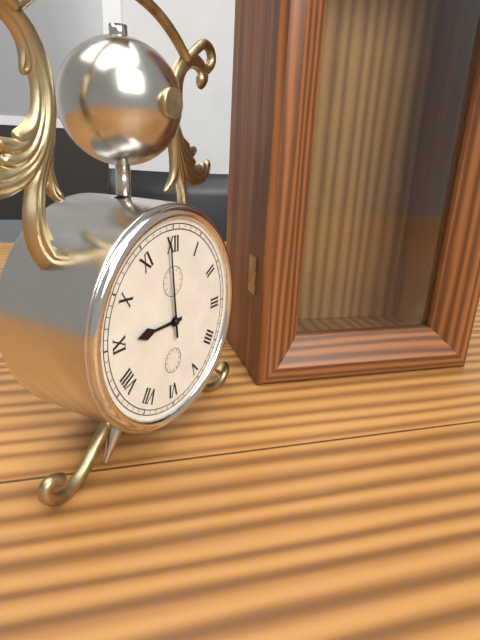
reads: 8,59
